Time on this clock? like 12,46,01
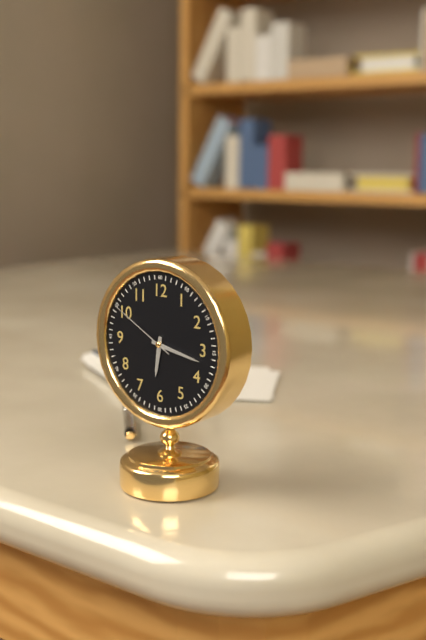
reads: 6,17,50
